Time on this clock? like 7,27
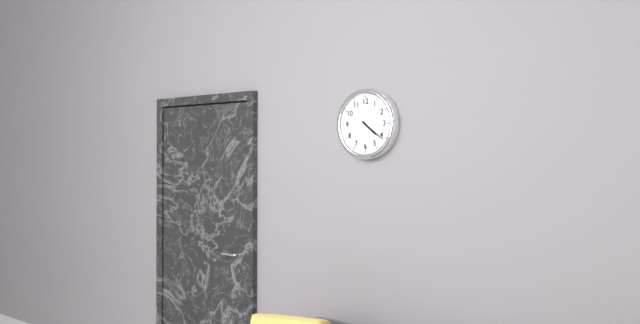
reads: 4,21
